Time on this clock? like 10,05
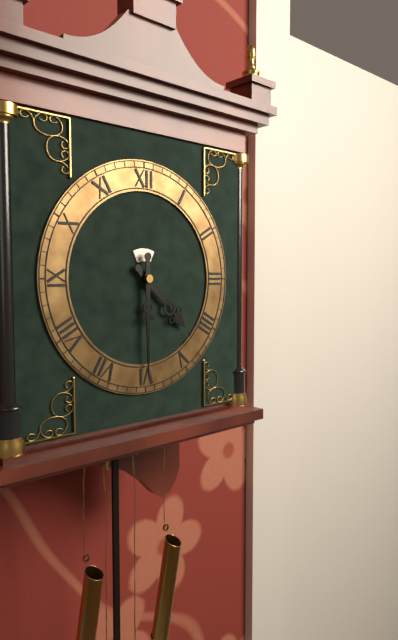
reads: 4,30
